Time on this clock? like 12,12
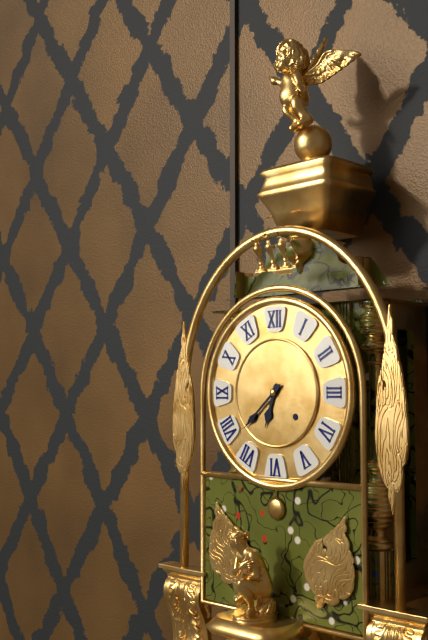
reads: 6,38
